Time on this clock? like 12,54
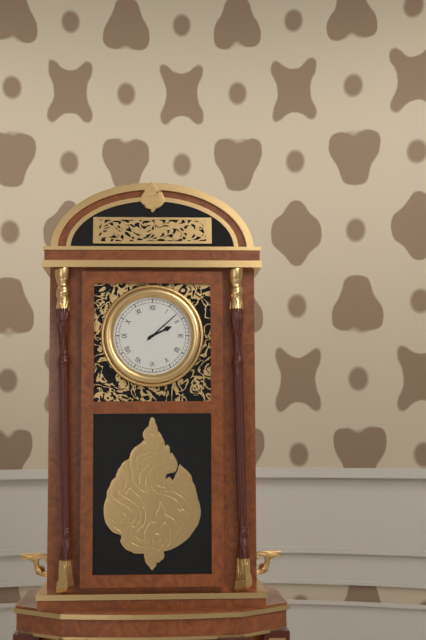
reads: 2,08
